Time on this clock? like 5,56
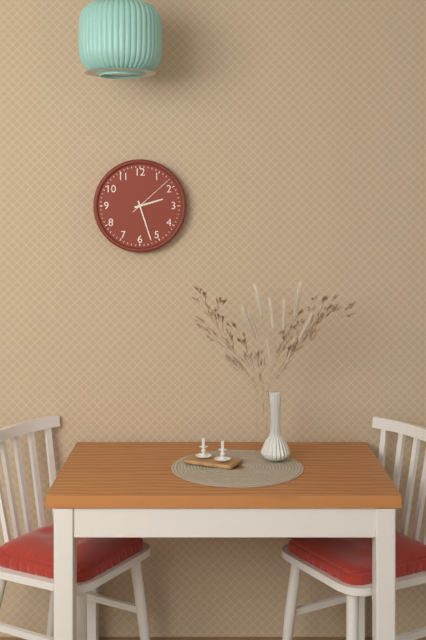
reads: 2,27
